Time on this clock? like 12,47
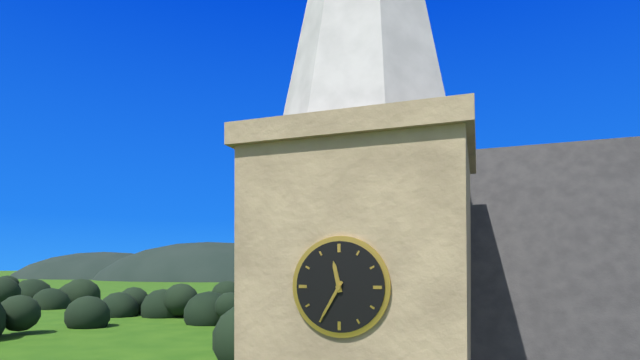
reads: 11,35
